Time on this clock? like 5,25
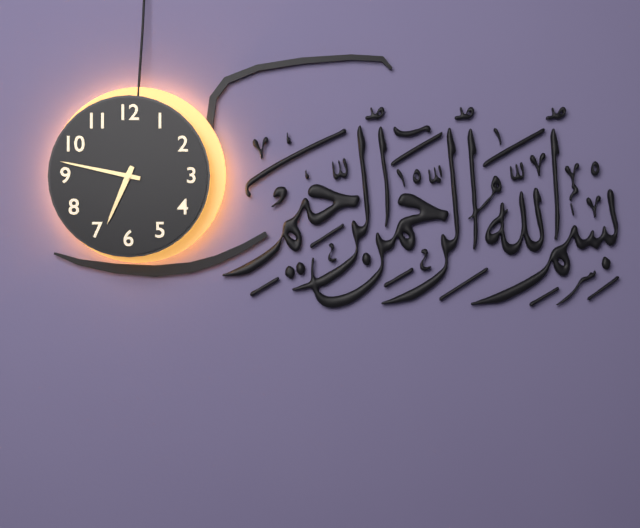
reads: 6,47
